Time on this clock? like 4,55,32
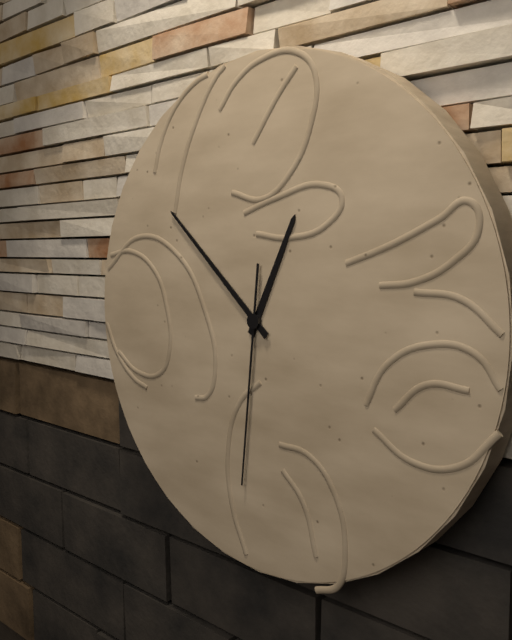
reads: 12,52,31
